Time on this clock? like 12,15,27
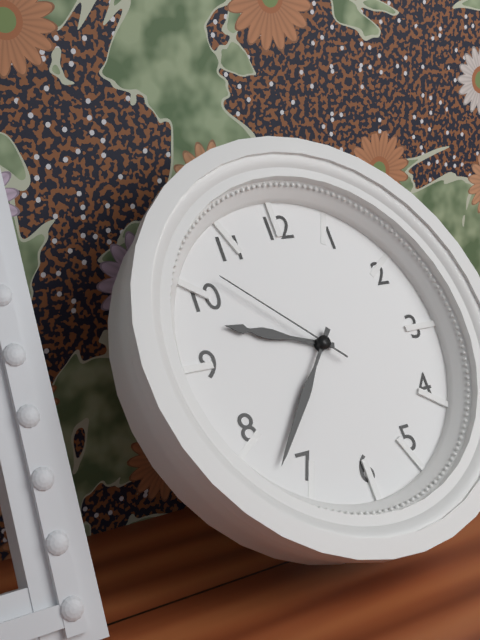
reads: 9,37,52
